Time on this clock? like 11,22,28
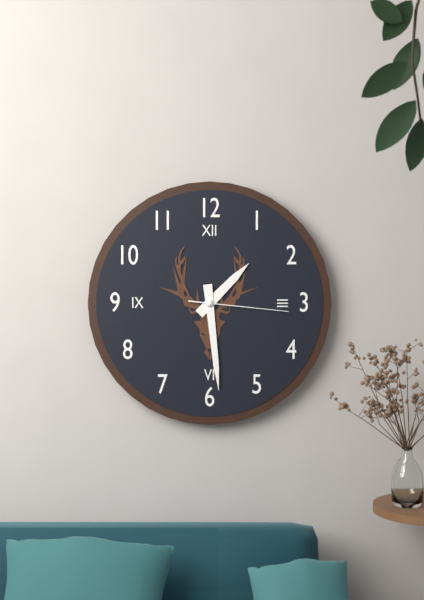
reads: 1,29,16
